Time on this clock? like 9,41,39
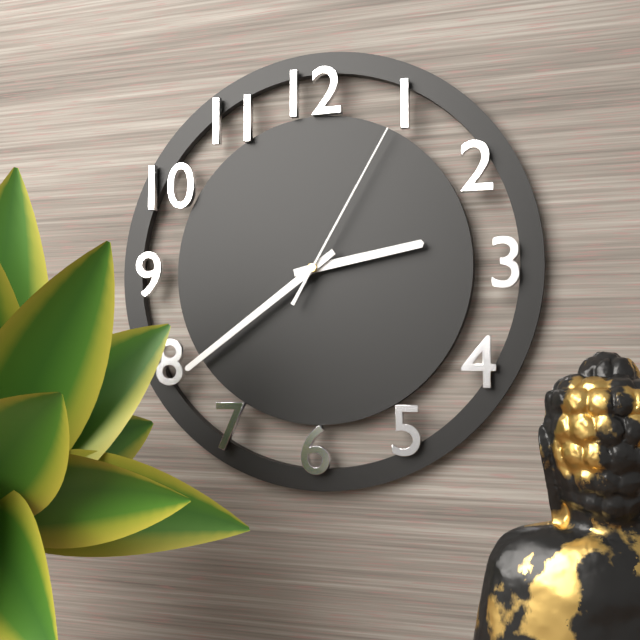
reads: 2,39,05
